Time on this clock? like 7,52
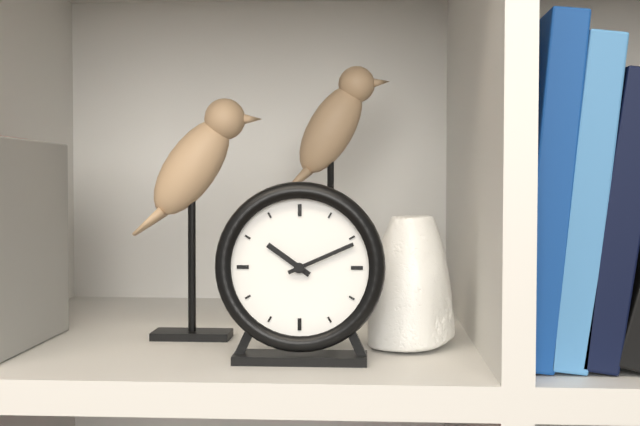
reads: 10,11
